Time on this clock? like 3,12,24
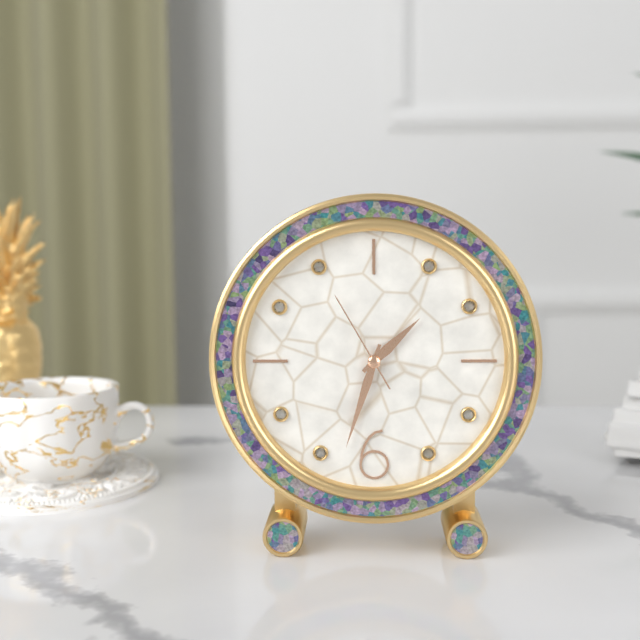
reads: 1,33,55
